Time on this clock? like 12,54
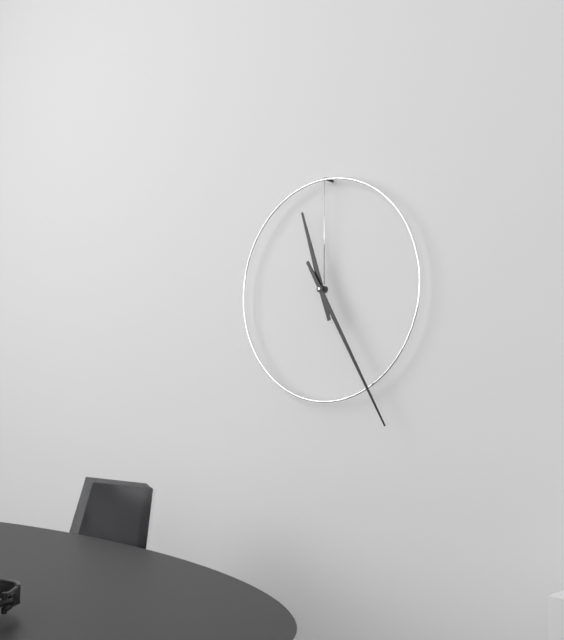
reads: 11,25
